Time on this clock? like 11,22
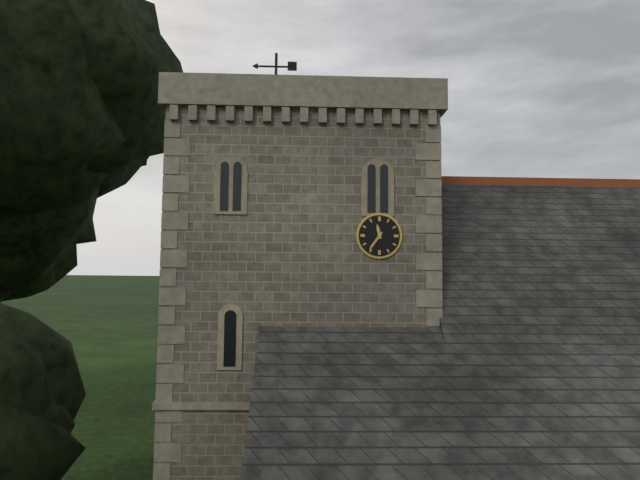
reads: 11,36
